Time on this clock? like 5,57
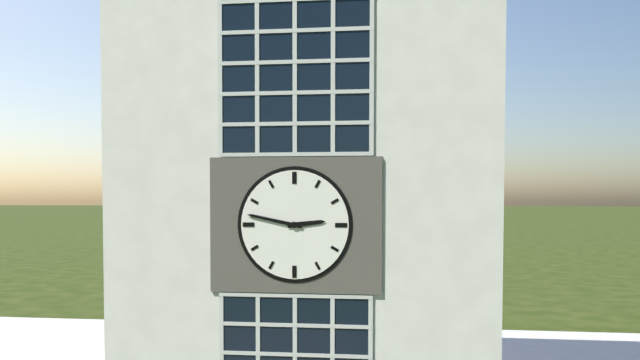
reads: 2,47
